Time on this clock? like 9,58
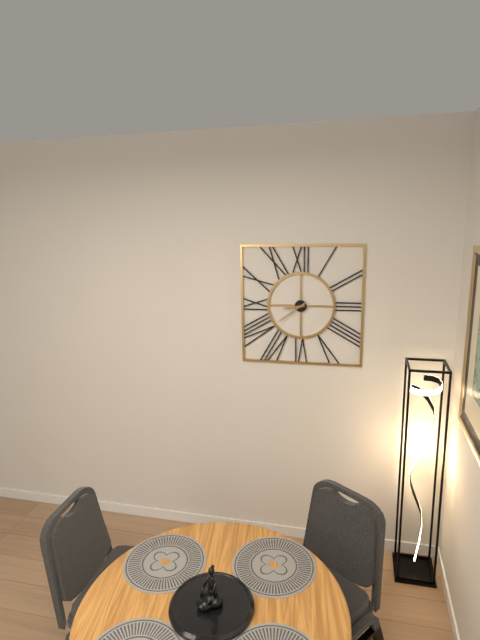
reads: 8,39
